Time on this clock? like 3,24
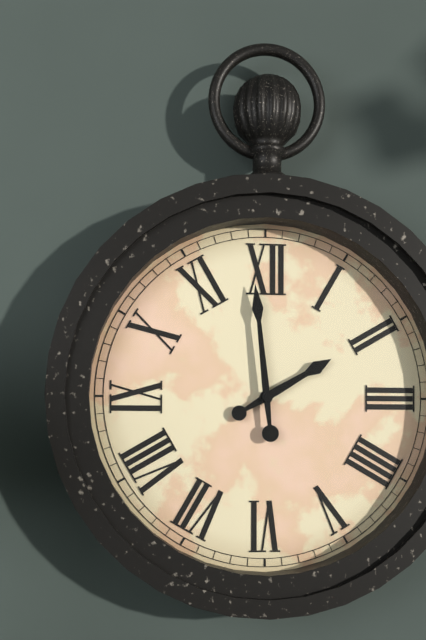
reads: 1,59
